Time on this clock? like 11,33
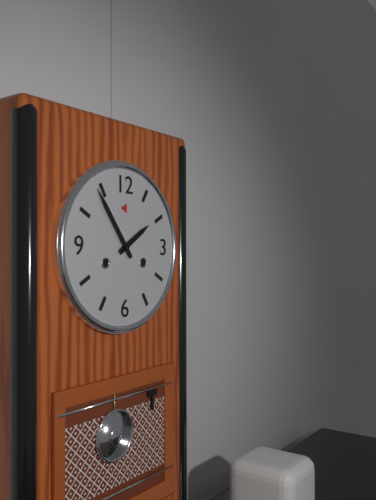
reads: 1,54
